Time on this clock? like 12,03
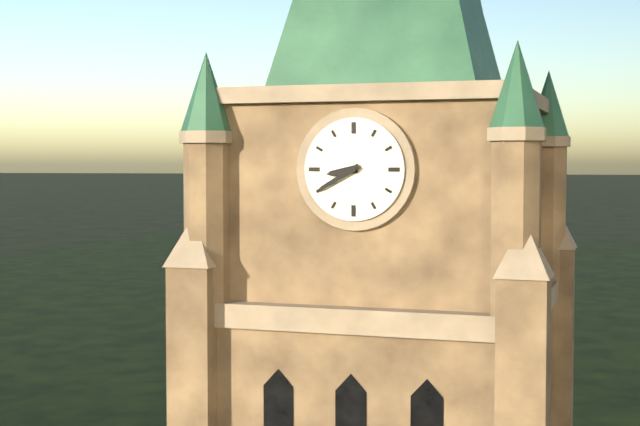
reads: 8,40
